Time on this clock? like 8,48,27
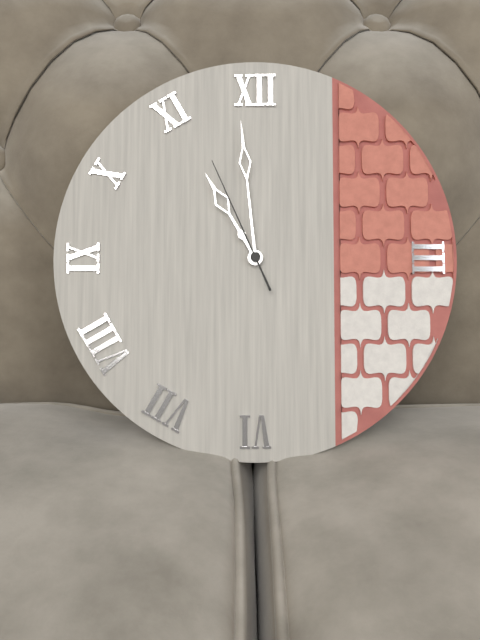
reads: 10,59,56
